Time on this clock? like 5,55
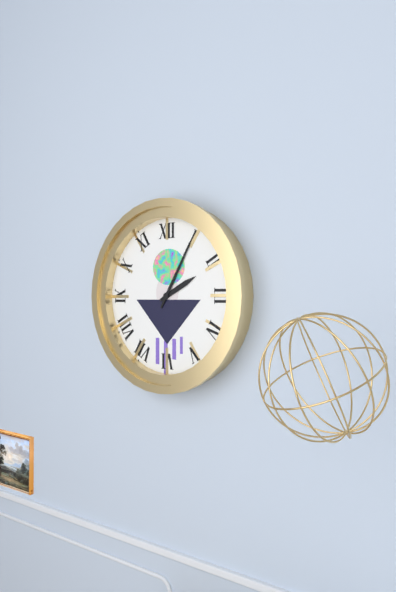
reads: 2,05
